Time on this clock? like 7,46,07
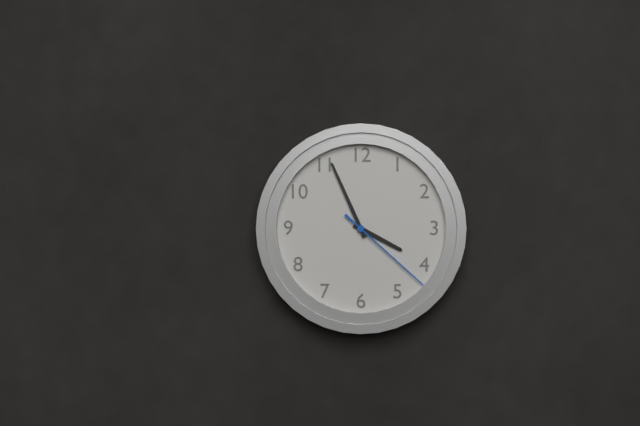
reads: 3,56,22
